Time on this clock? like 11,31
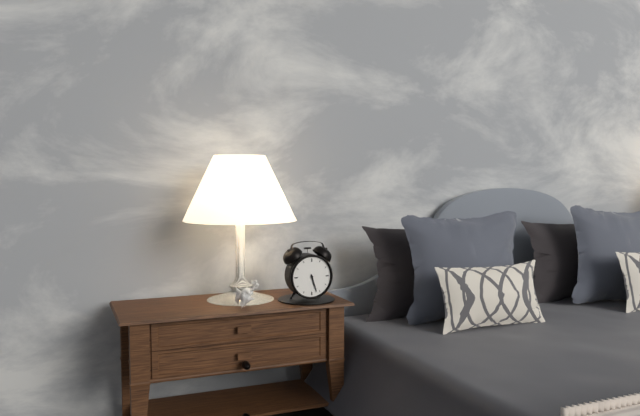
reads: 5,27
